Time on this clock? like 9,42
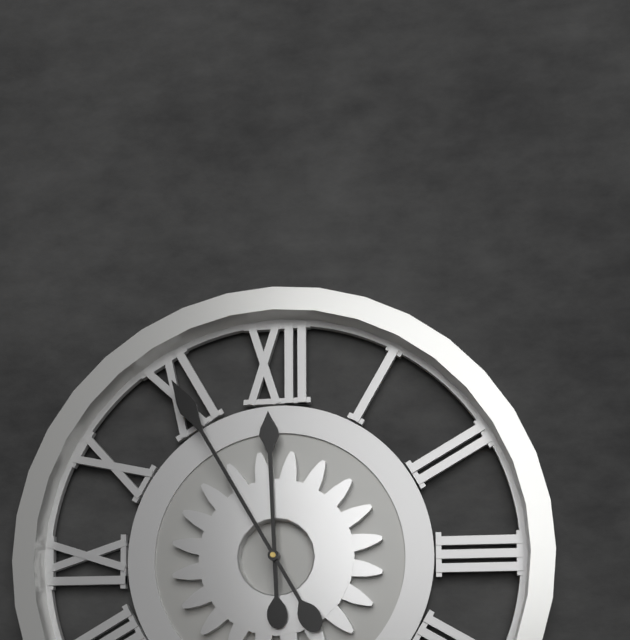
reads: 11,55
